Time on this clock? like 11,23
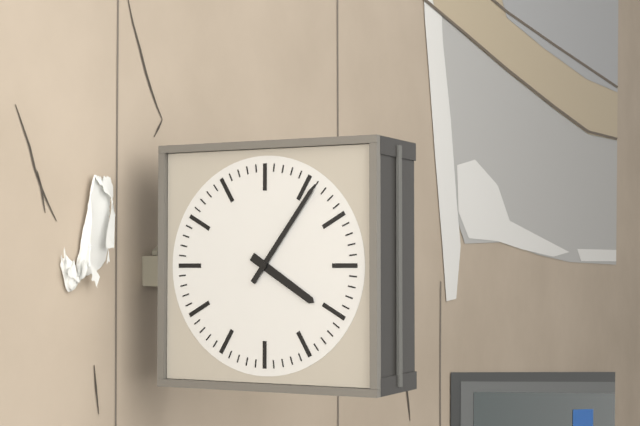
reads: 4,06
